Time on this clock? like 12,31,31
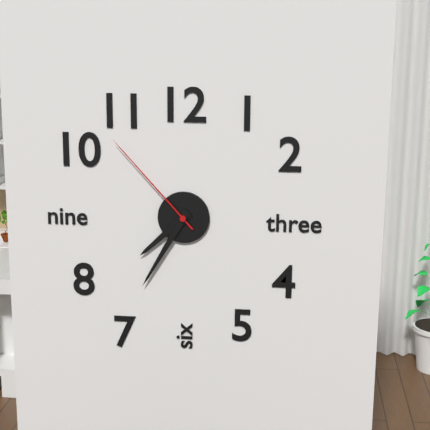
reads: 7,35,53
